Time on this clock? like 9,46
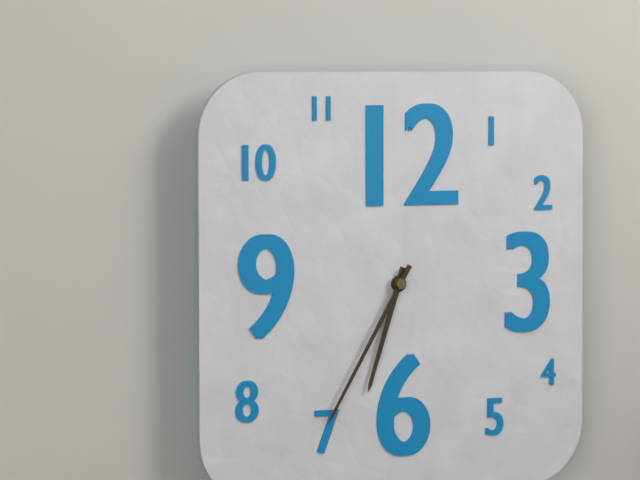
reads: 6,35
